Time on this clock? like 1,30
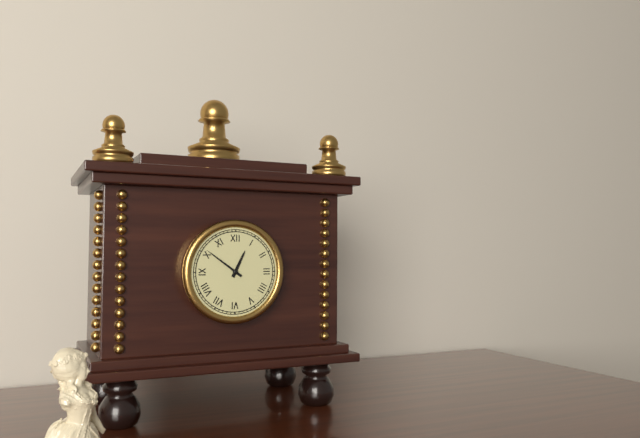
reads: 12,51
